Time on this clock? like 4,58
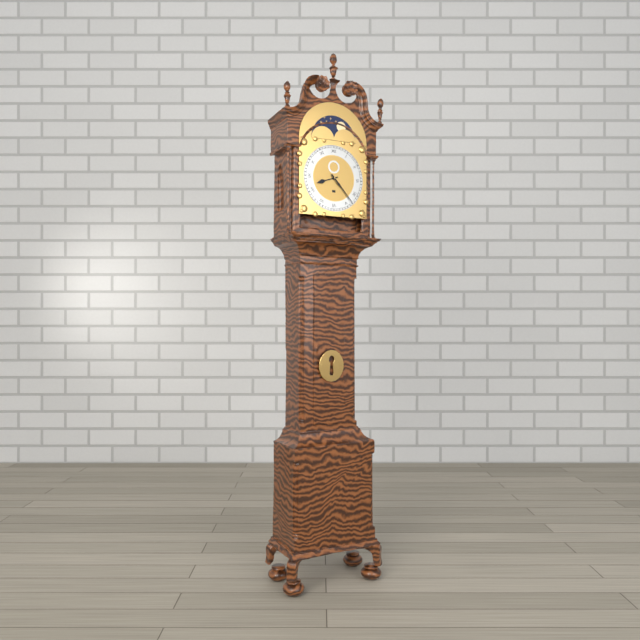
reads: 8,23
